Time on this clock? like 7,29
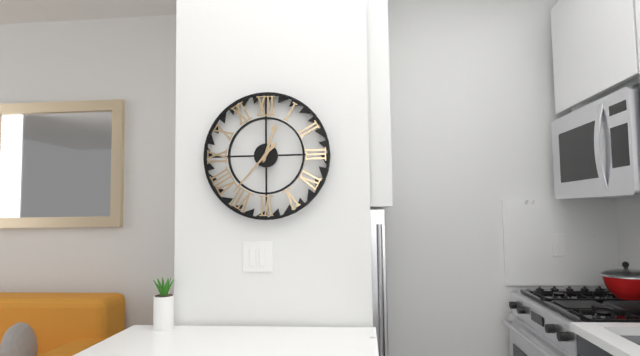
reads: 12,37
